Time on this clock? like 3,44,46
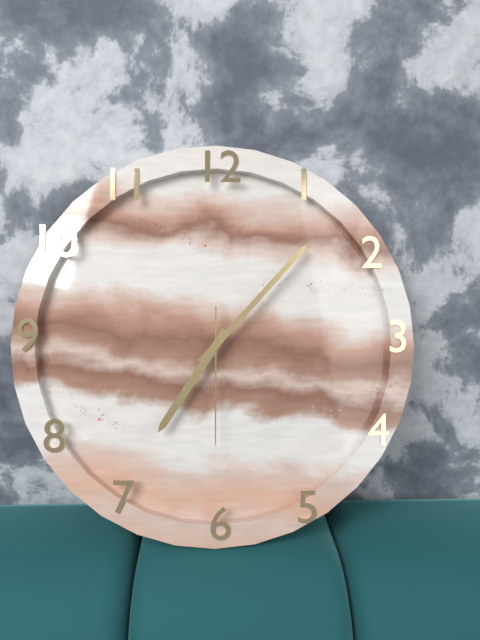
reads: 7,07,30
